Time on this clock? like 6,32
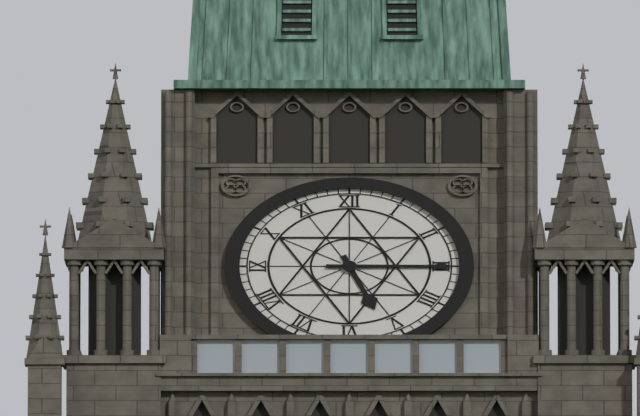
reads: 5,15
